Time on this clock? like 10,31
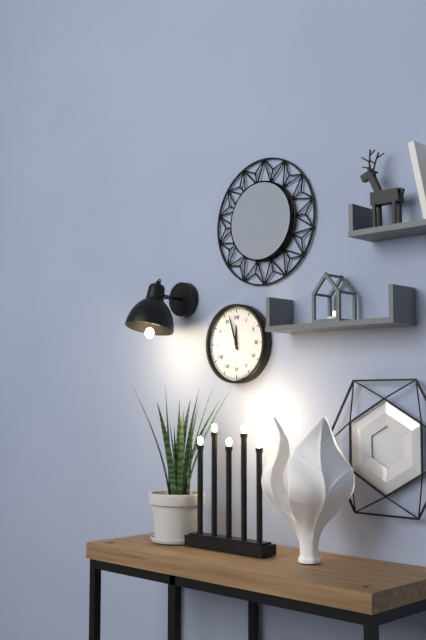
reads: 11,57
